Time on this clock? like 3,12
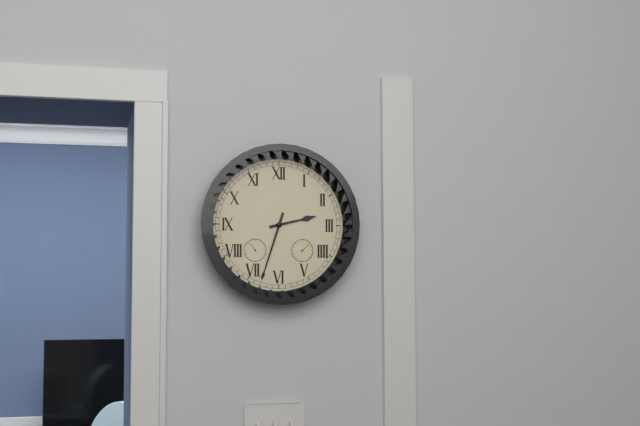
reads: 2,33
